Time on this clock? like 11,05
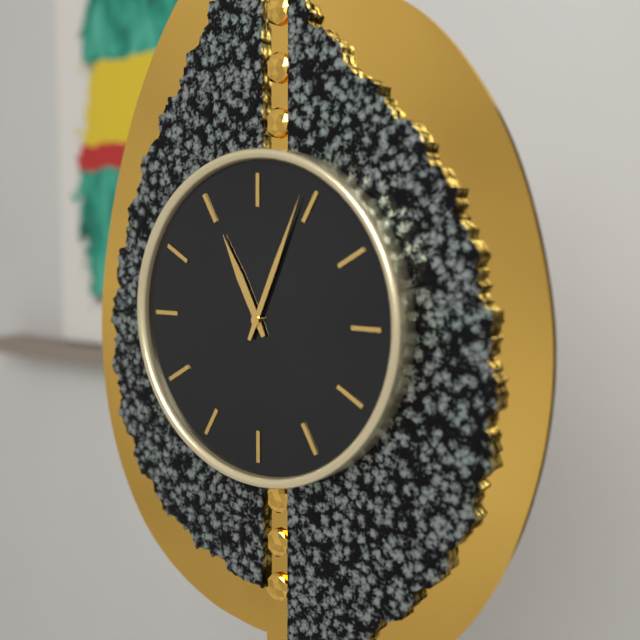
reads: 11,04
